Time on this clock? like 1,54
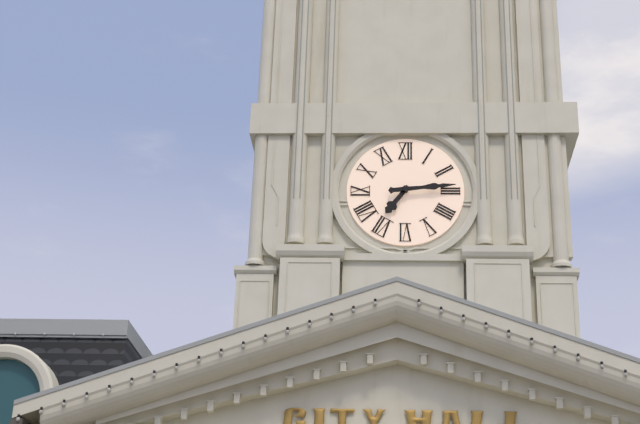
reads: 7,14
